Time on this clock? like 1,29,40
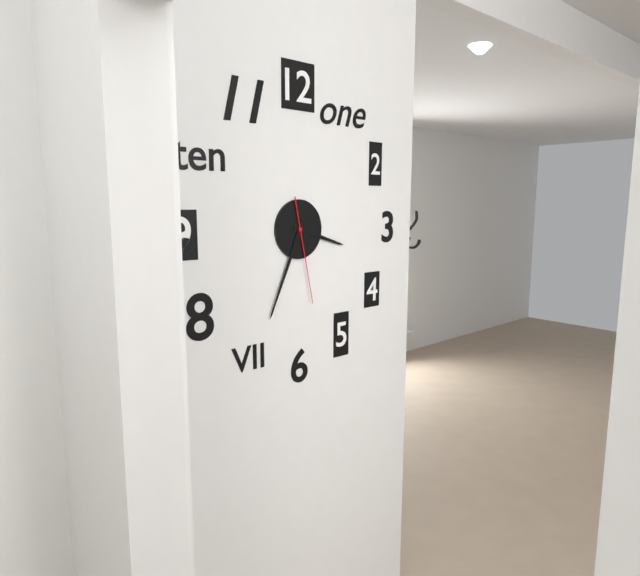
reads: 3,34,28
